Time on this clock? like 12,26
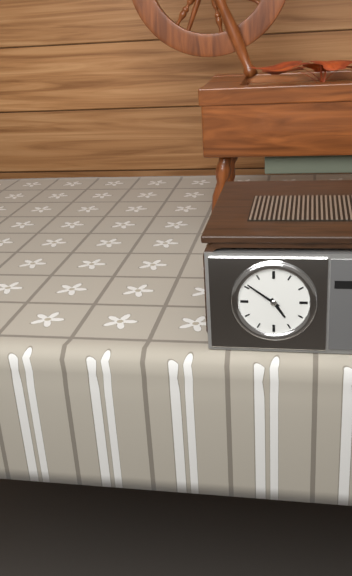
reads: 4,51
